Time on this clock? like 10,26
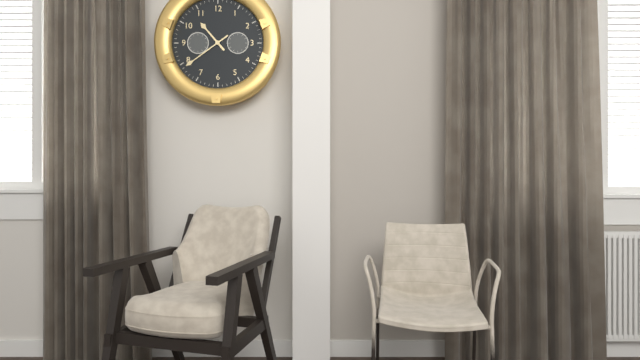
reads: 10,39
